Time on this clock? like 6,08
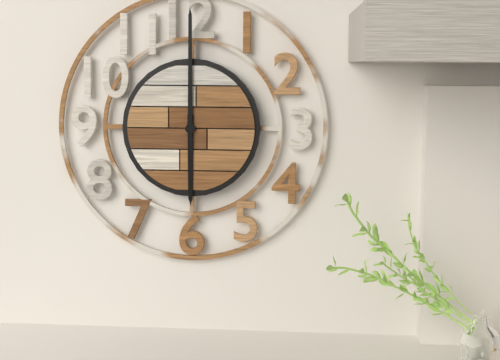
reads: 6,00
